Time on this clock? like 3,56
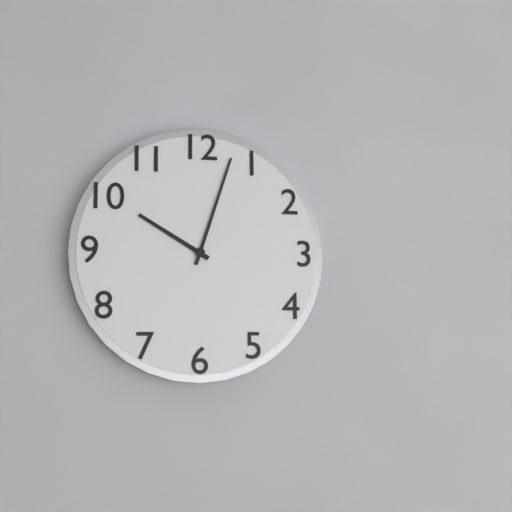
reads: 10,03
